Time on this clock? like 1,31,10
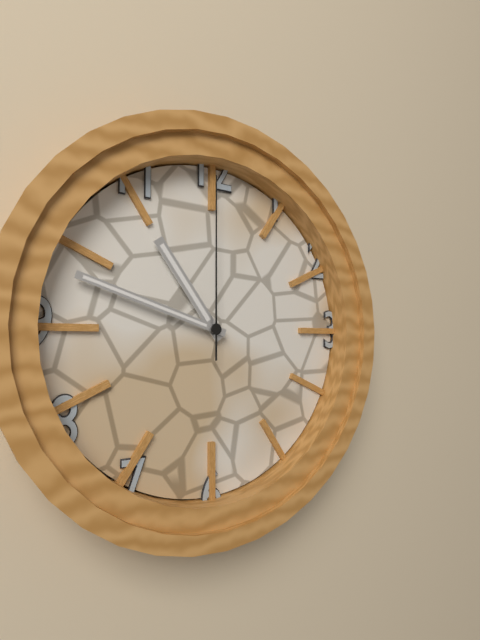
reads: 10,48,00
